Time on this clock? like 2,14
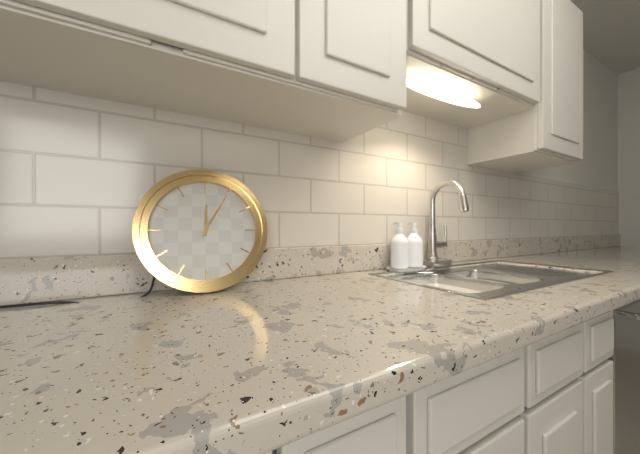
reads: 12,05
